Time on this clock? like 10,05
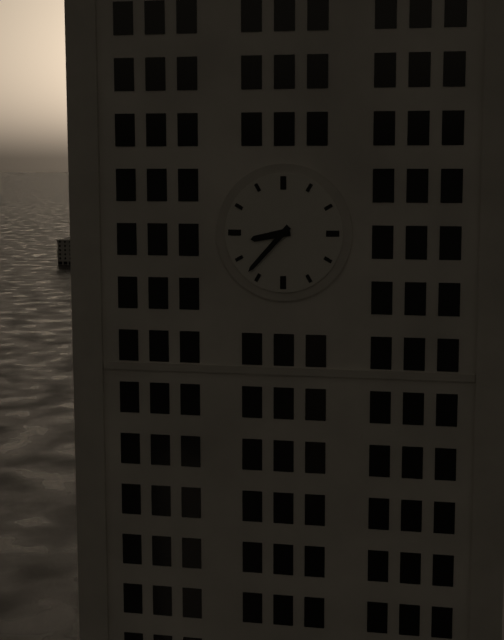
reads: 8,37
